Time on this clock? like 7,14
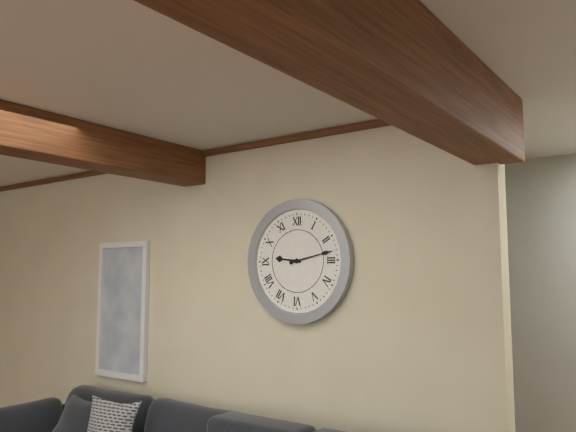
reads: 9,13
